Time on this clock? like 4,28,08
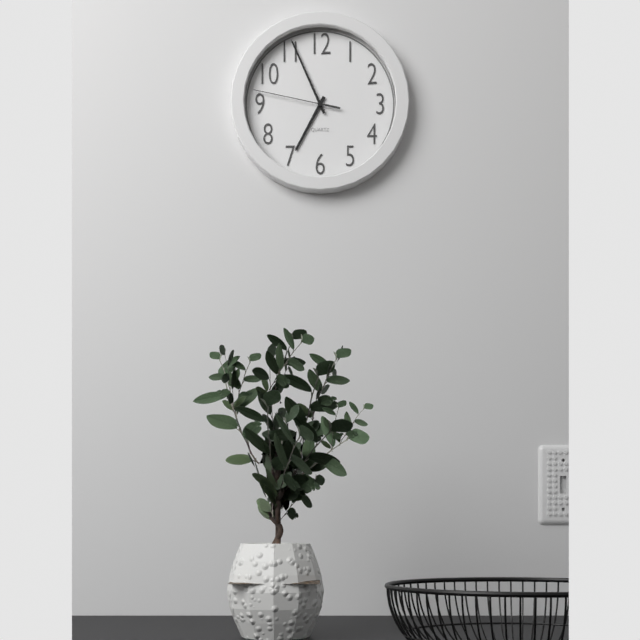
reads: 6,56,47
